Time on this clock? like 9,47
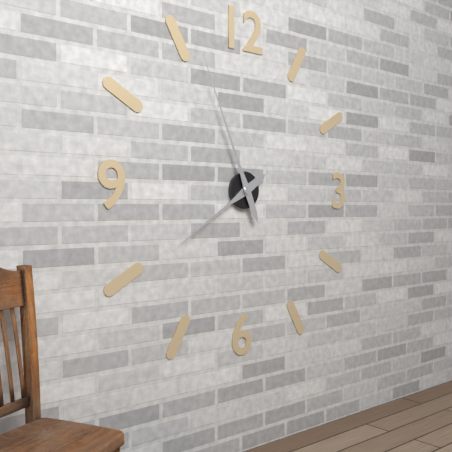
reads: 7,56
